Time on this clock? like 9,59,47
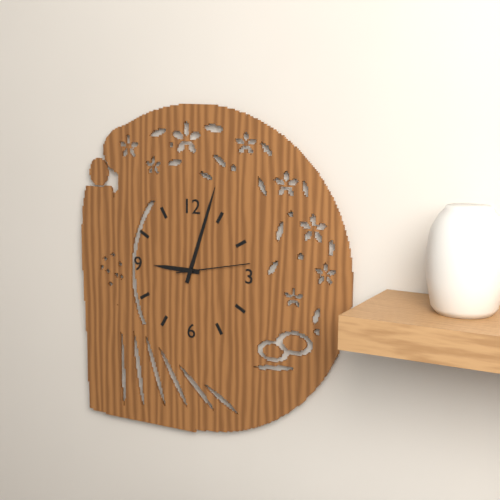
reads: 9,03,13
